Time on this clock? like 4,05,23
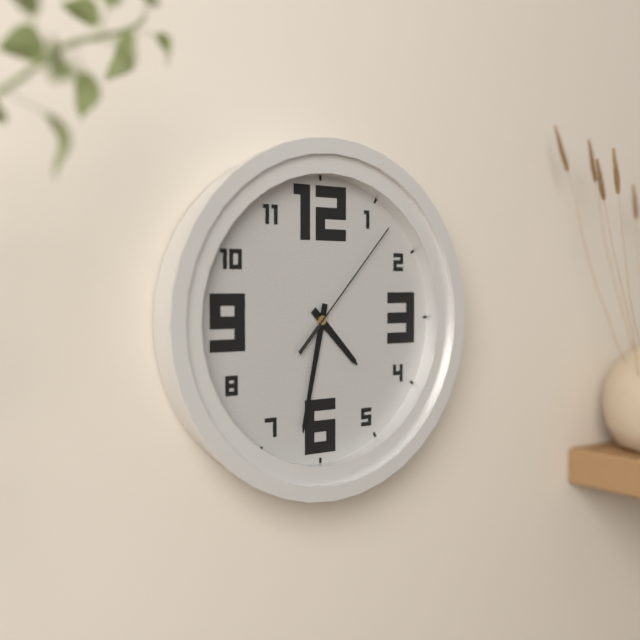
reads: 4,32,07
